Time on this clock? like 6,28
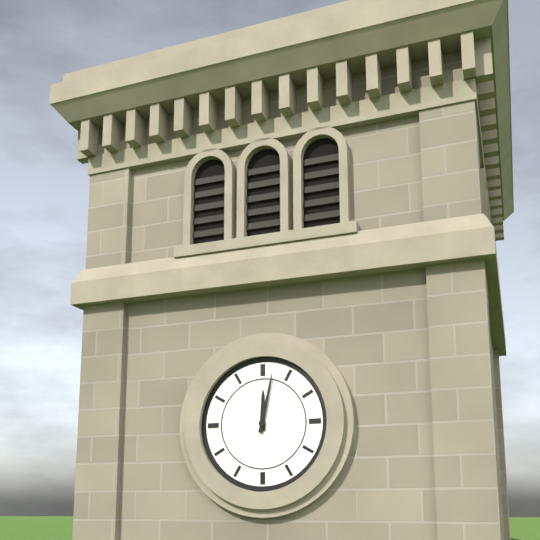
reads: 12,02
